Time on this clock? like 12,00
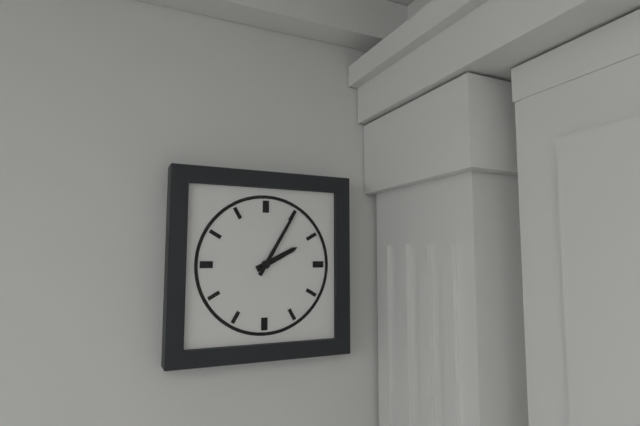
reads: 2,05
